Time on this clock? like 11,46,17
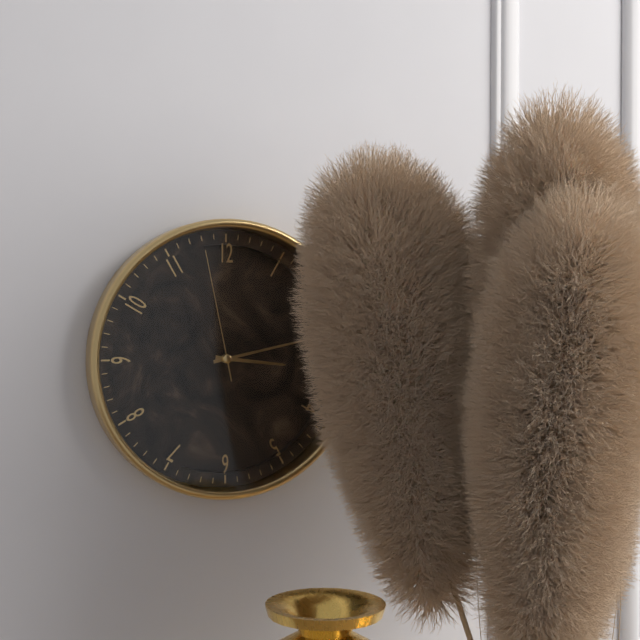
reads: 3,13,58
